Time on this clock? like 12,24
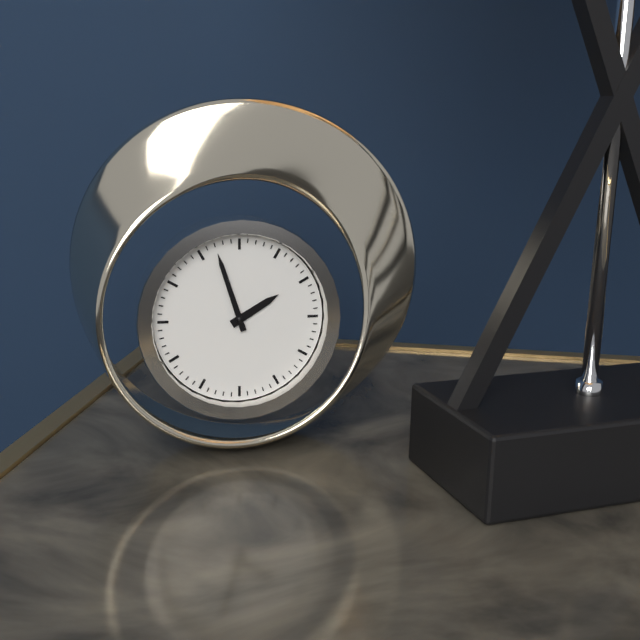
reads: 1,57
